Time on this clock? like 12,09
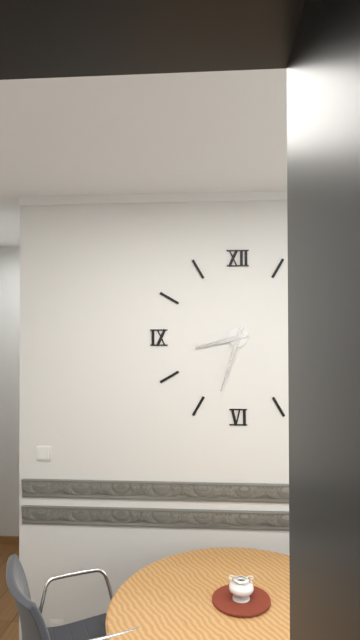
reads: 8,33
